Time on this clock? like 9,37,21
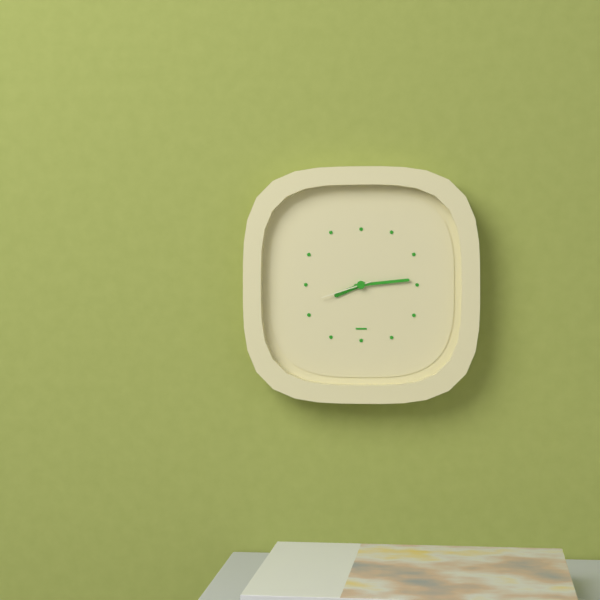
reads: 8,14,42
